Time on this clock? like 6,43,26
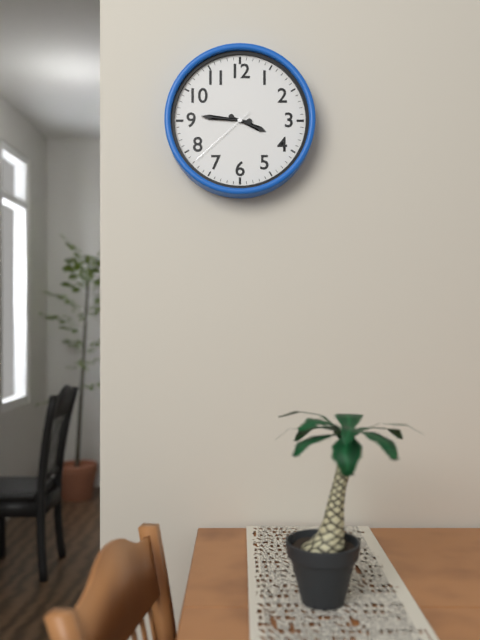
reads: 3,46,38
